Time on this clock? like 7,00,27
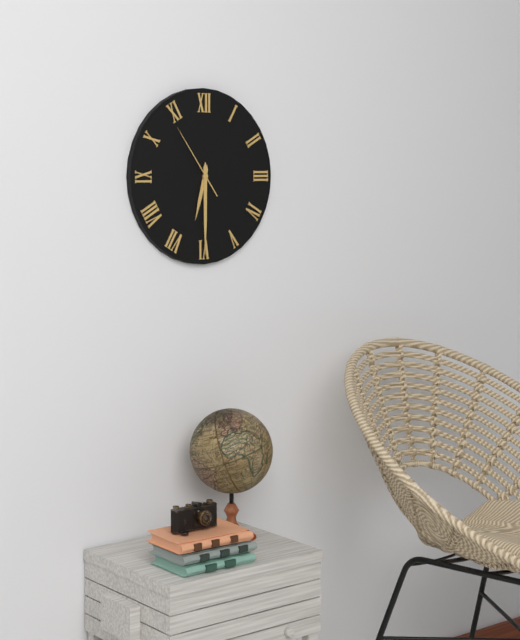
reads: 6,30,54
